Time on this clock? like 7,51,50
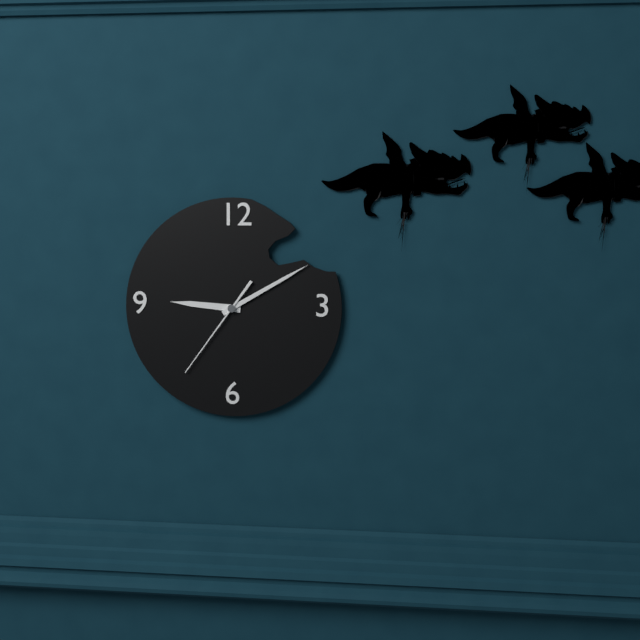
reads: 9,10,36
